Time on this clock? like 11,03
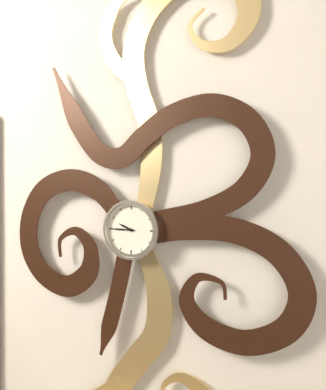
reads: 9,45
